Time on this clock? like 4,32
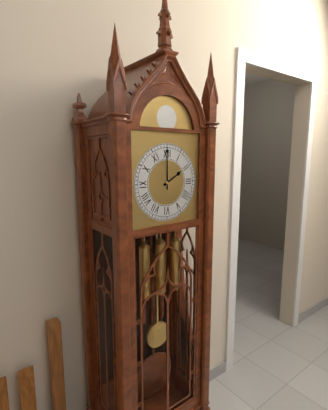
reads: 2,00
